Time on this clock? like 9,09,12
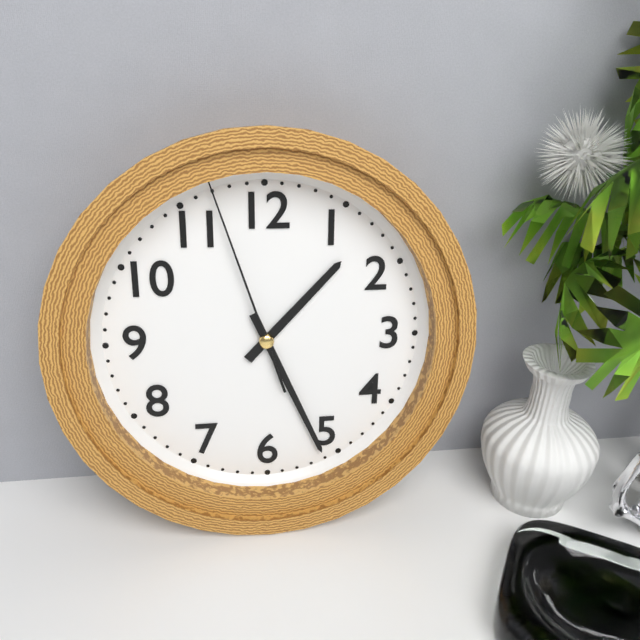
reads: 1,26,57
